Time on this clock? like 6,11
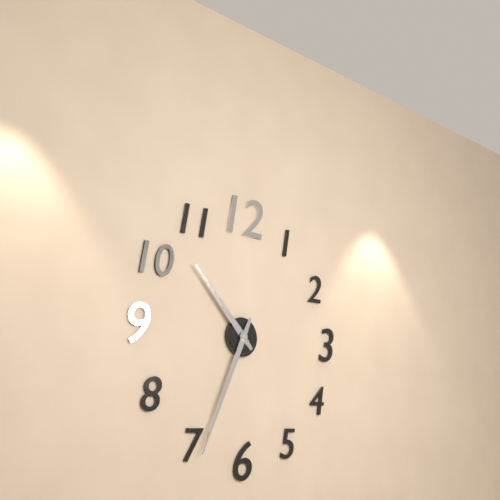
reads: 10,34
